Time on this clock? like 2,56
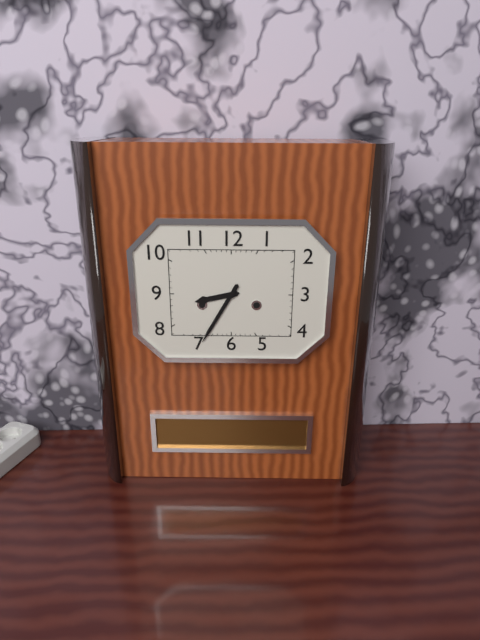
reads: 8,35
